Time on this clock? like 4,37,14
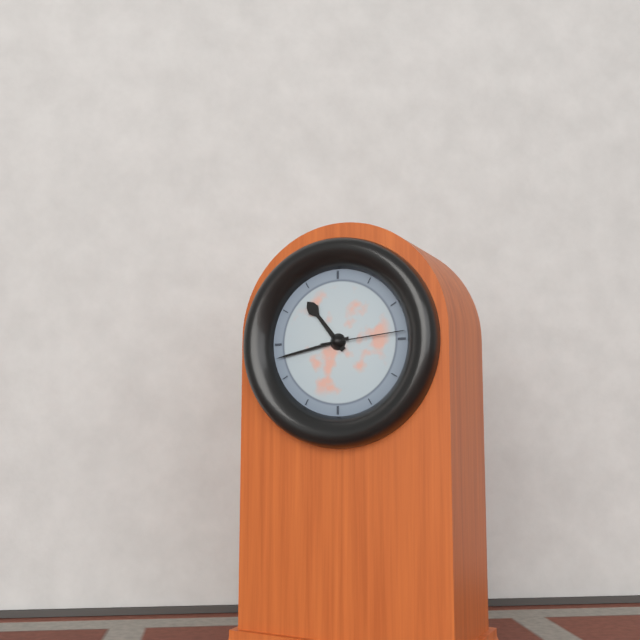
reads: 10,43,14
